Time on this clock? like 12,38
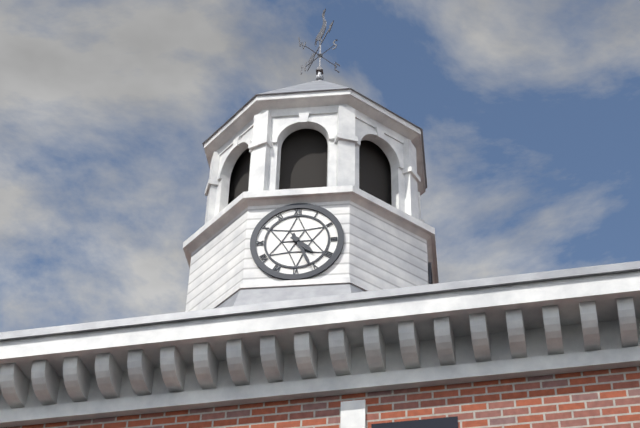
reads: 4,26
